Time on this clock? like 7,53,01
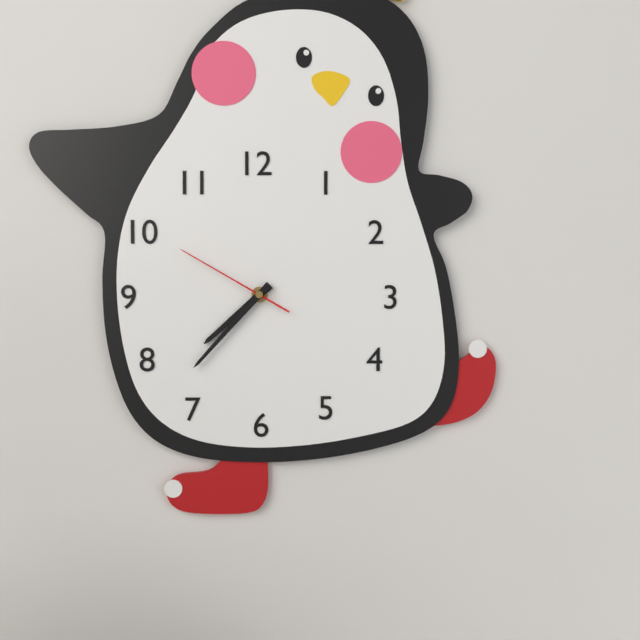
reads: 7,37,50
